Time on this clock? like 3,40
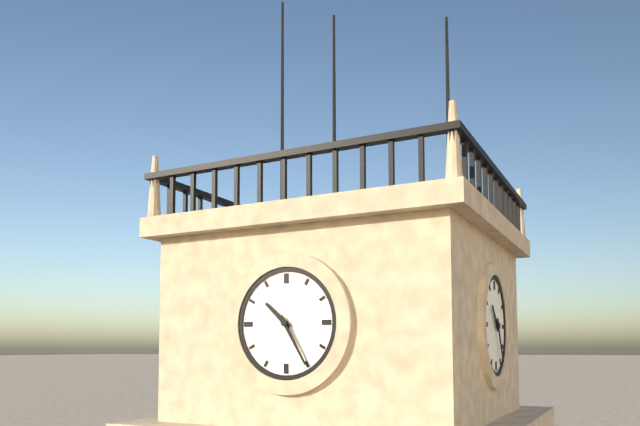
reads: 10,25
